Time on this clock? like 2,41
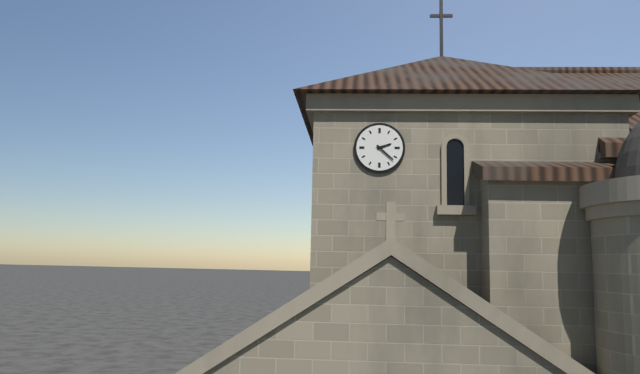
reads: 2,22
